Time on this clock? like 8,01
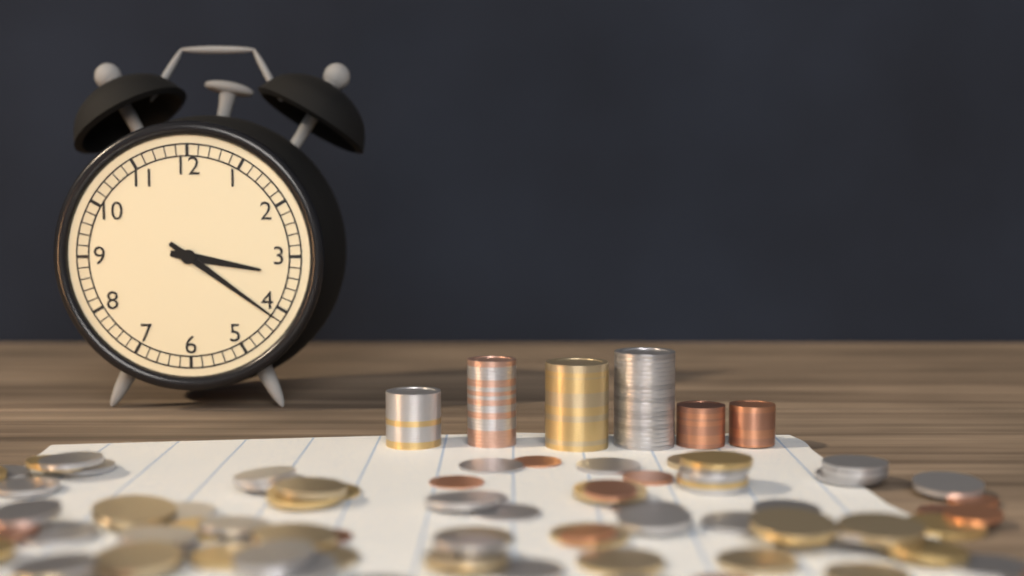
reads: 3,21
